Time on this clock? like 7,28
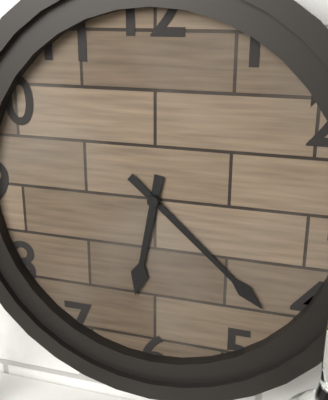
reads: 6,22
